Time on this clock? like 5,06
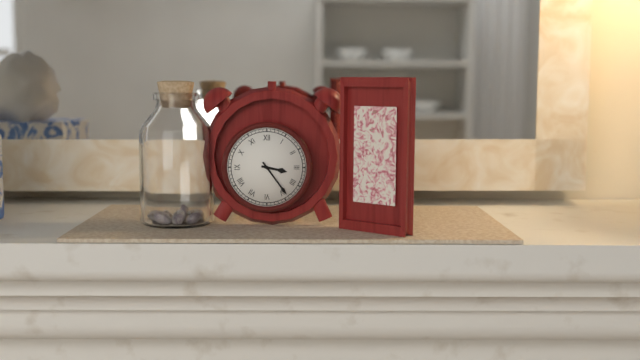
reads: 3,24
